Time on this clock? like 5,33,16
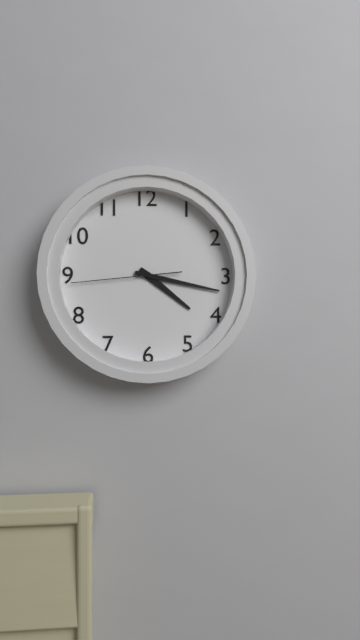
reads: 4,17,44
